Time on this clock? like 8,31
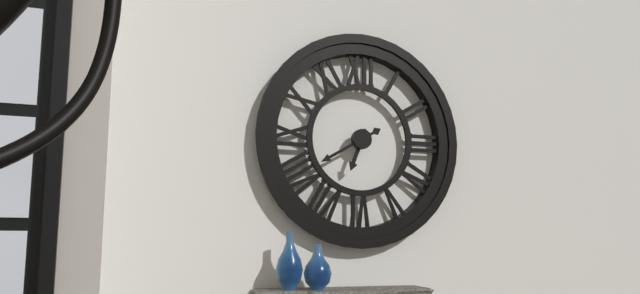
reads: 6,40
